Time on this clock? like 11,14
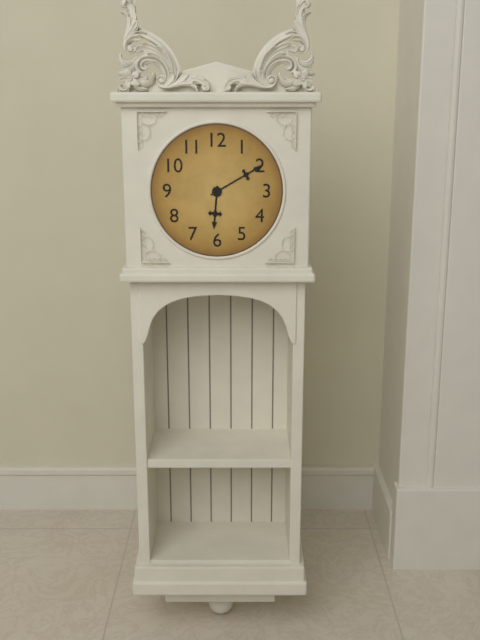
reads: 6,10
